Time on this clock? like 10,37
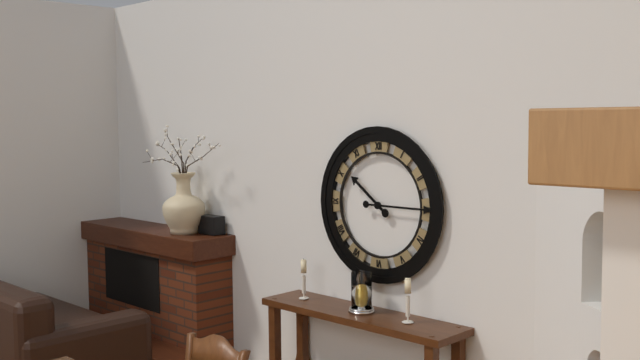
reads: 10,15
